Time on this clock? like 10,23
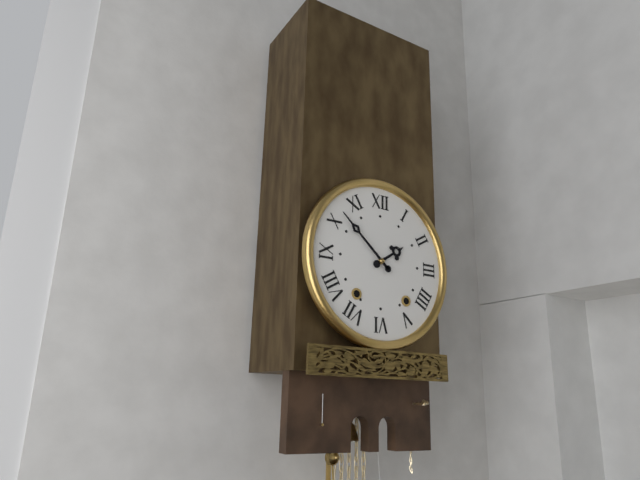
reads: 1,52
